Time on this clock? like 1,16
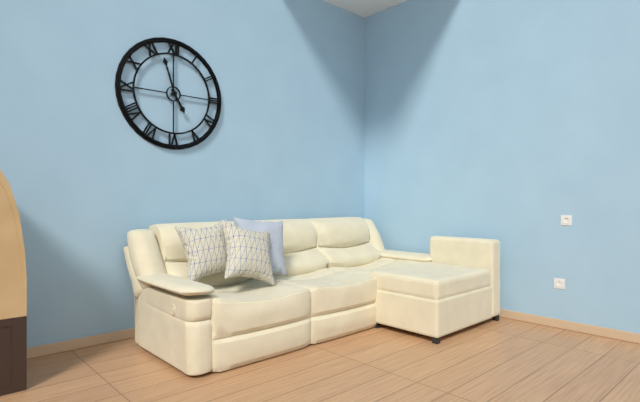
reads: 4,57
